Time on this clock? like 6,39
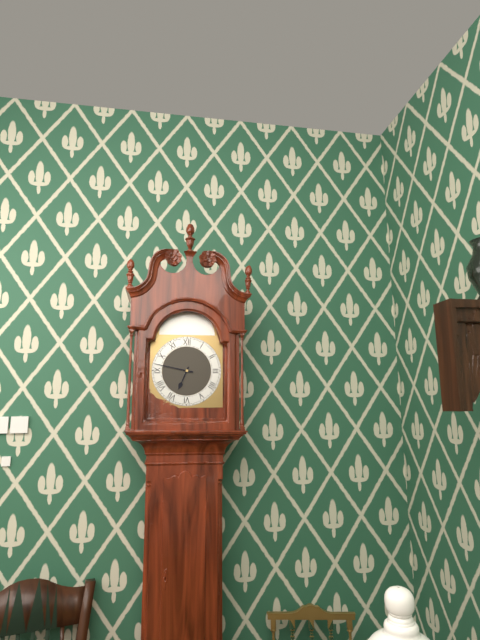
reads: 6,47
